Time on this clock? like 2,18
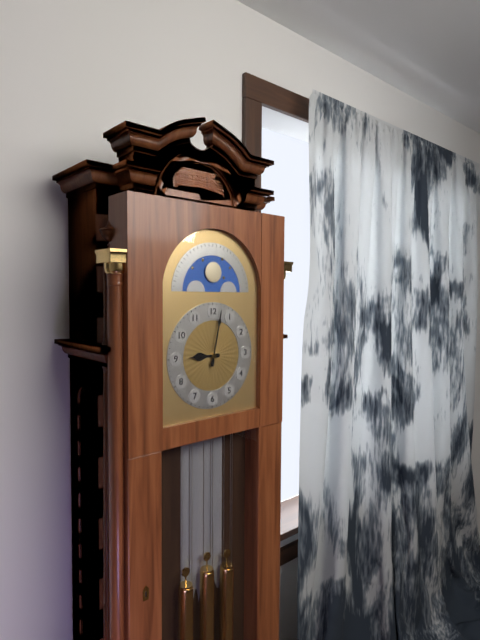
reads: 9,02
